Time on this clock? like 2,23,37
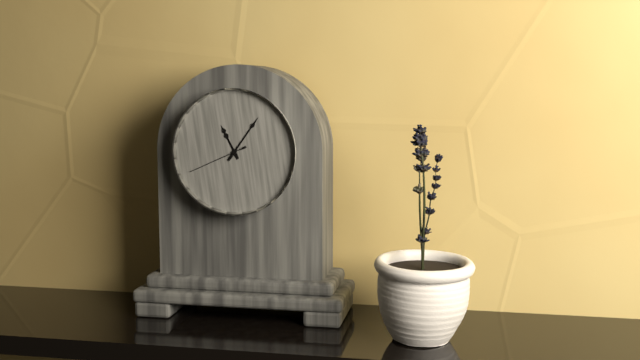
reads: 11,06,41
